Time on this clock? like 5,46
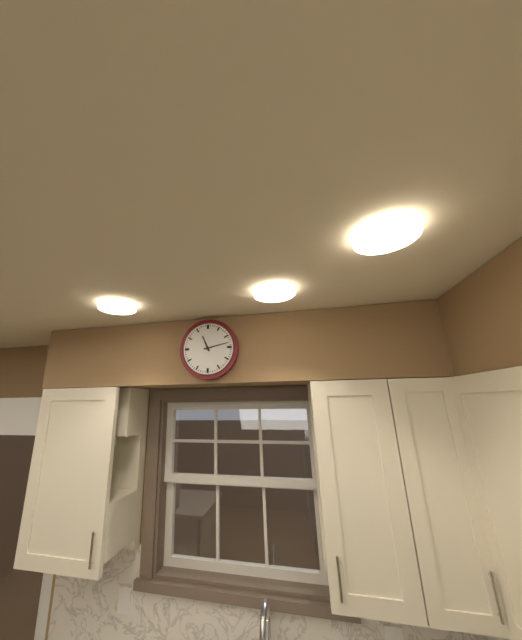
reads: 11,13
